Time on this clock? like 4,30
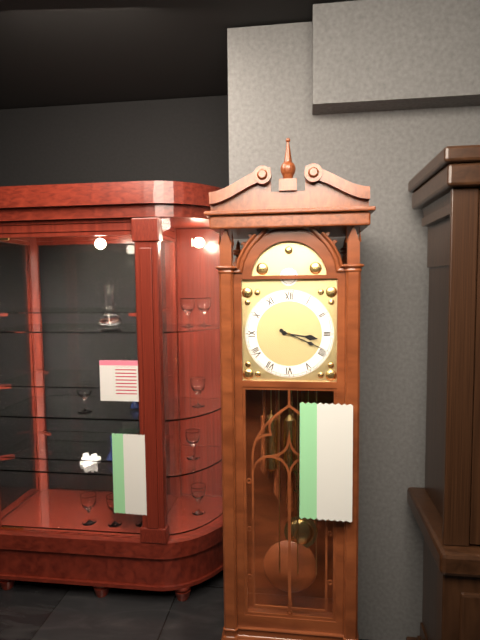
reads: 3,19
